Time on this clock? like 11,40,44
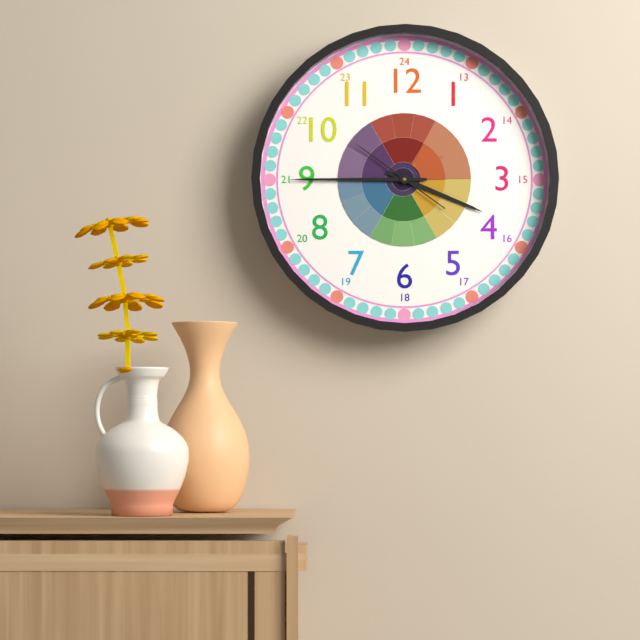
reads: 3,45,51
